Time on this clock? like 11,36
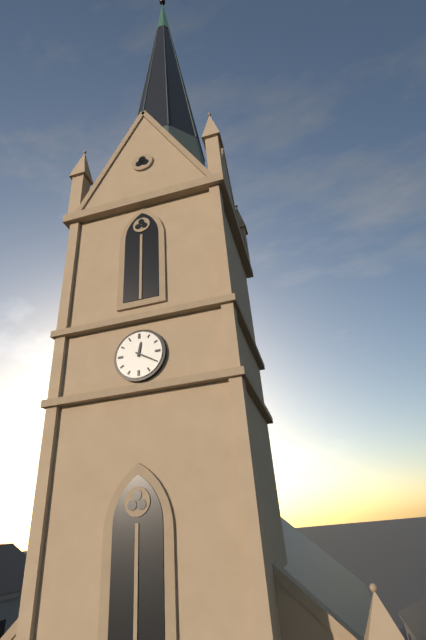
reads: 12,20
